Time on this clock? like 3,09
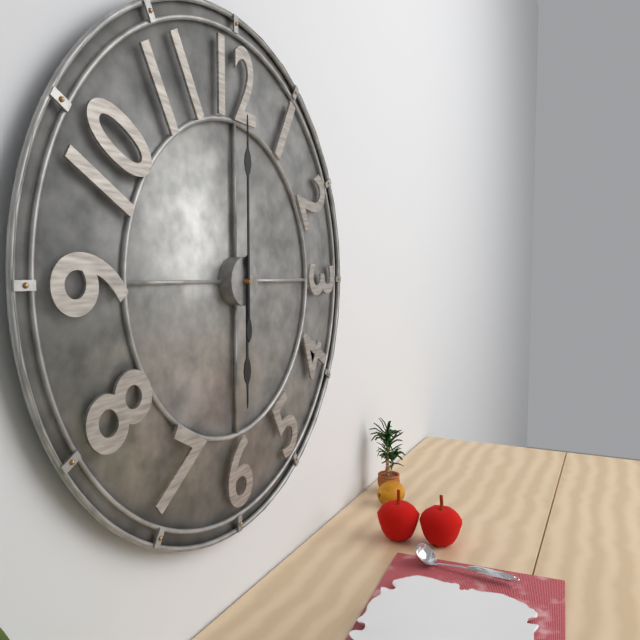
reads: 6,00
